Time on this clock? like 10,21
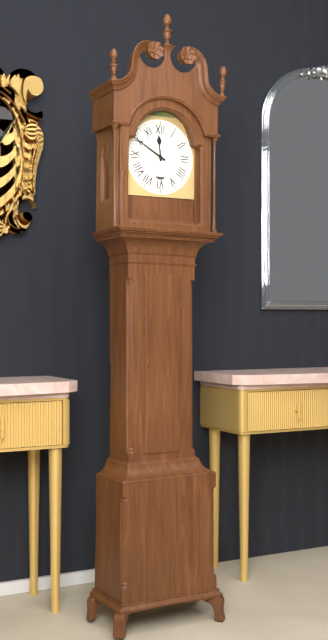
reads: 11,50
